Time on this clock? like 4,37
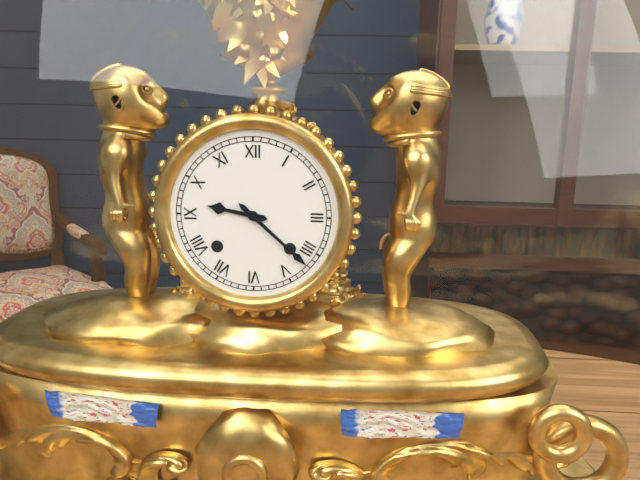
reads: 9,22
